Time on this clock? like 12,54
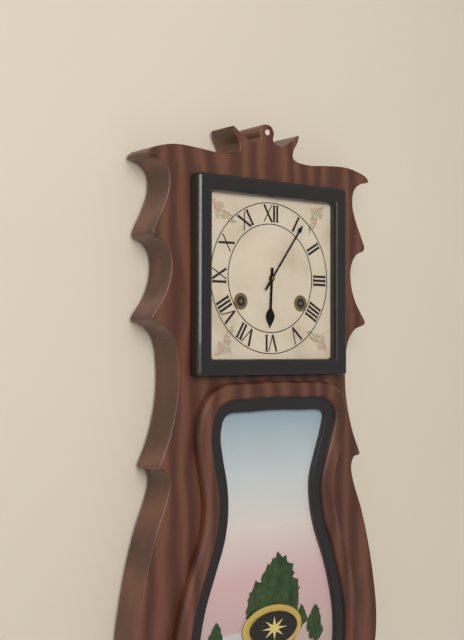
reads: 6,06
